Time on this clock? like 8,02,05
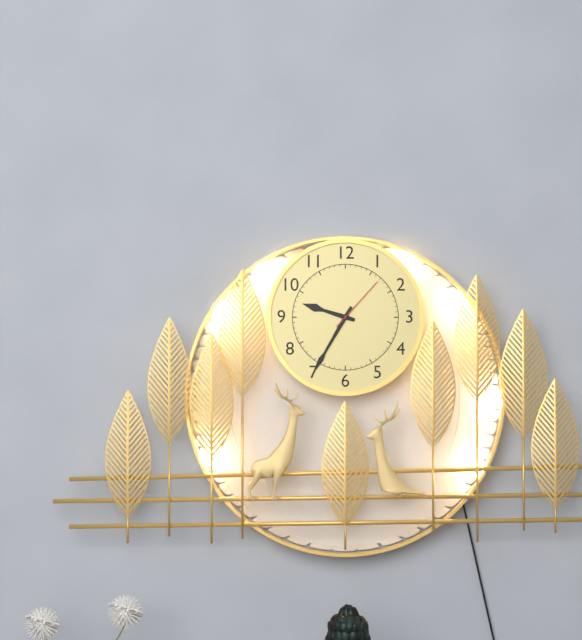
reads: 9,35,07
